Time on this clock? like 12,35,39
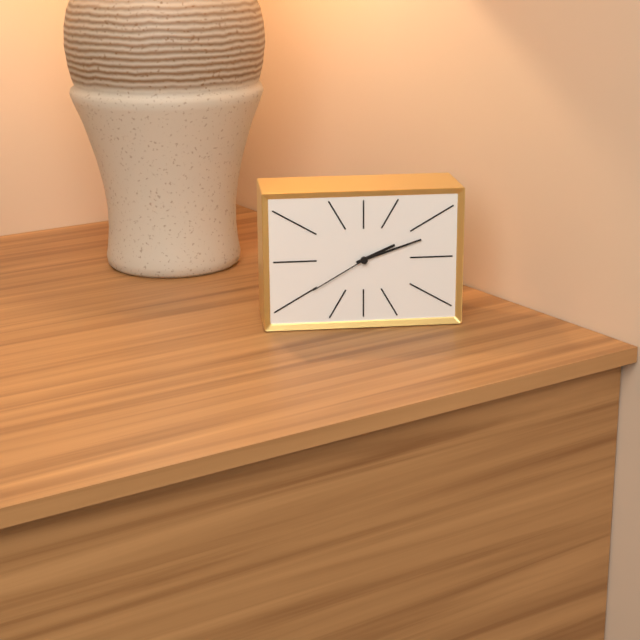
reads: 2,12,40
